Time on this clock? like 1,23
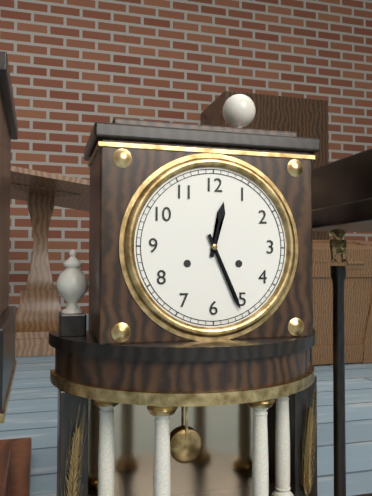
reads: 12,26
